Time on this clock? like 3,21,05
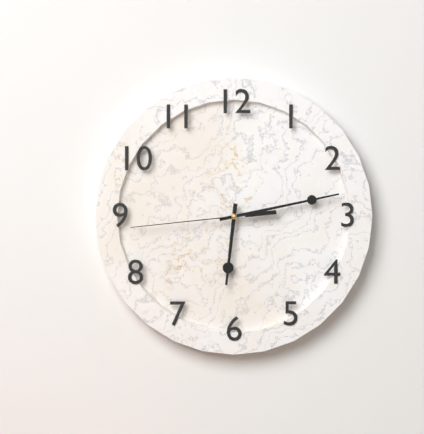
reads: 6,13,44
